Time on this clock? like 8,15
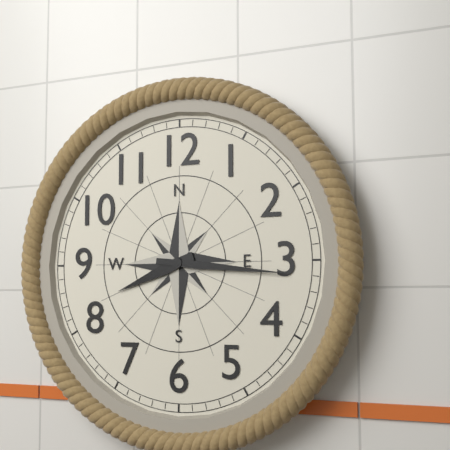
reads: 8,16
